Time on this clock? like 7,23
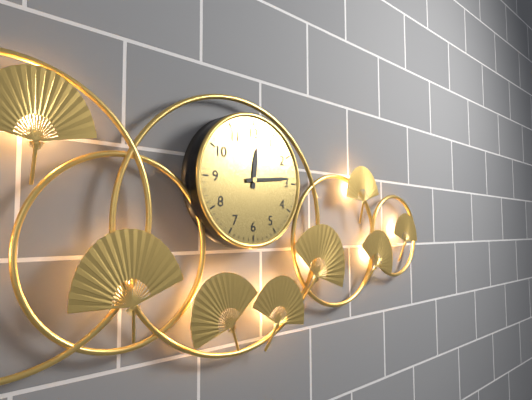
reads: 12,14
